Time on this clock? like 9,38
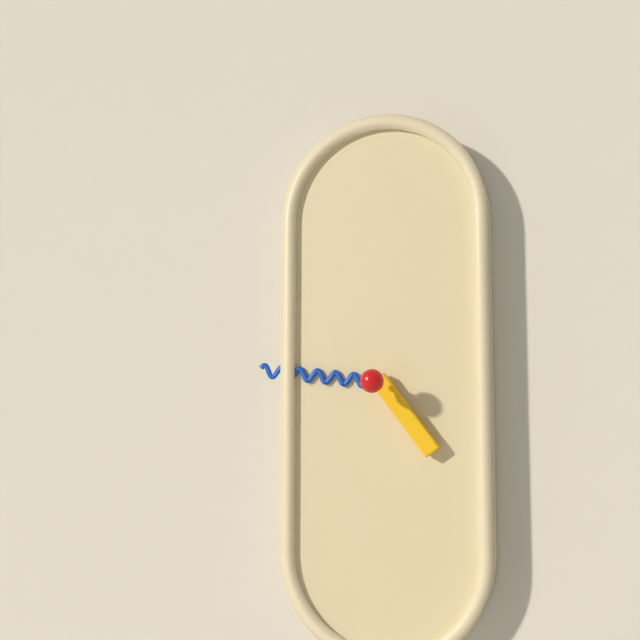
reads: 4,46
